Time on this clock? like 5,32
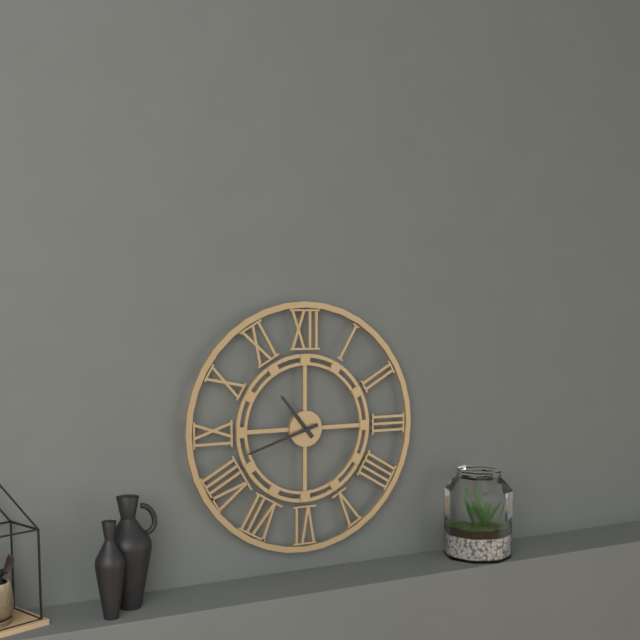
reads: 10,42
